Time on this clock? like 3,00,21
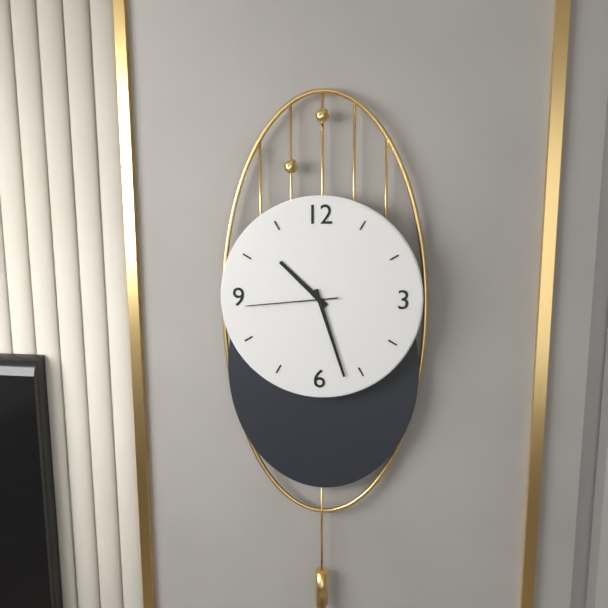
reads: 10,27,44
